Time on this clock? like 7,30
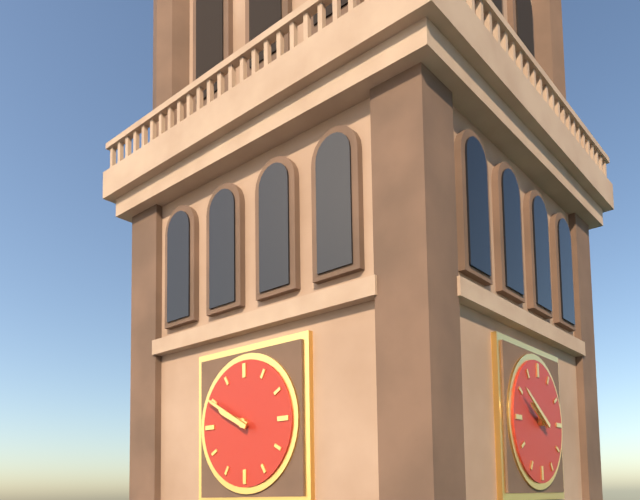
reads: 9,50
